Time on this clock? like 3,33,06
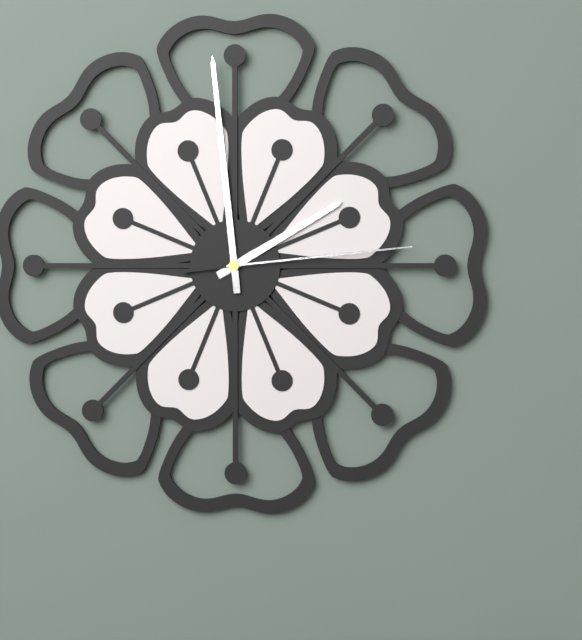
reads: 1,59,14
